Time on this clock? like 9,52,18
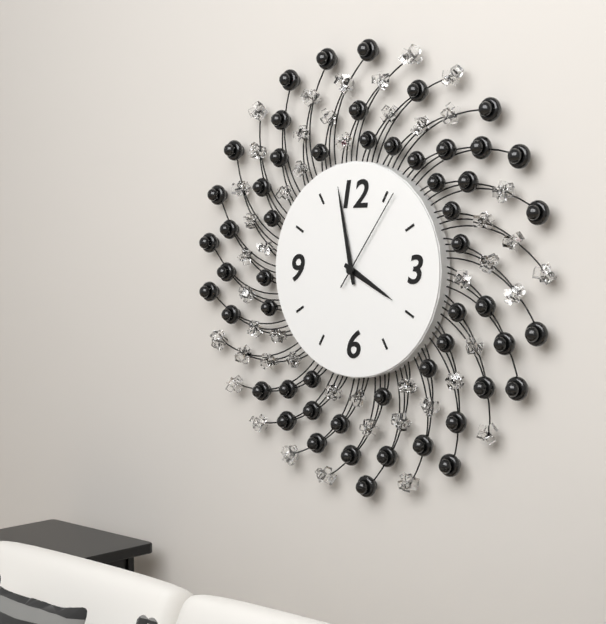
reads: 3,58,06
